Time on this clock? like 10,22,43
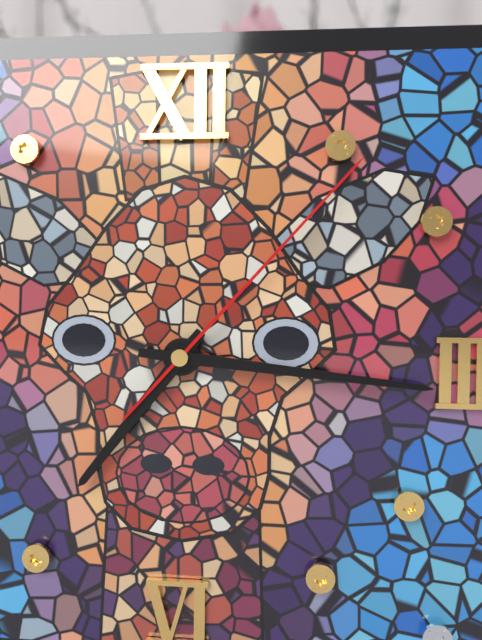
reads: 7,16,07
